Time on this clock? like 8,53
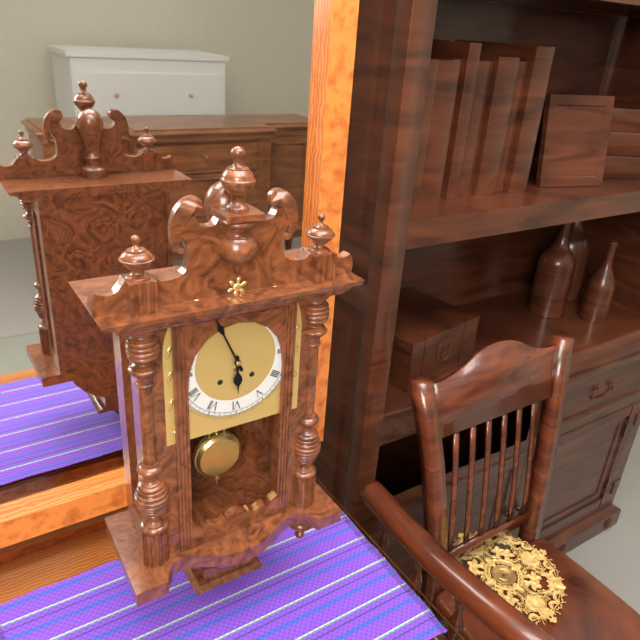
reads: 5,56
